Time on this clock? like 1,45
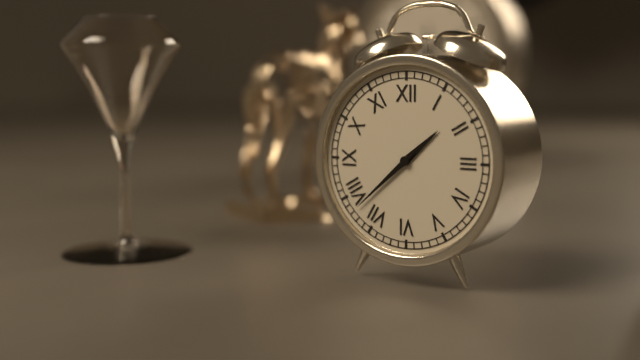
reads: 1,38
